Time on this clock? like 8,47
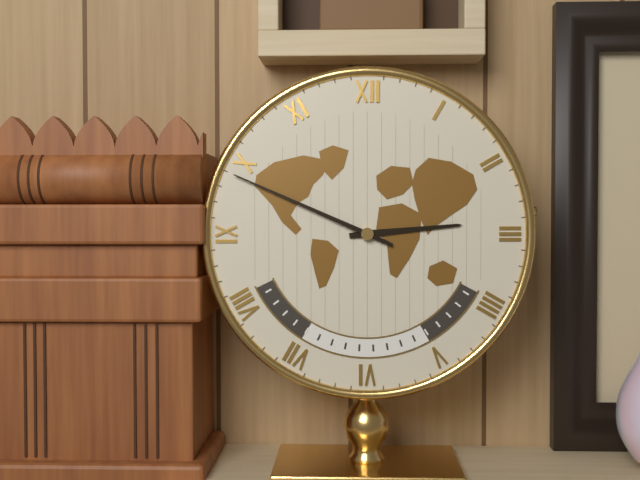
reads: 2,49
